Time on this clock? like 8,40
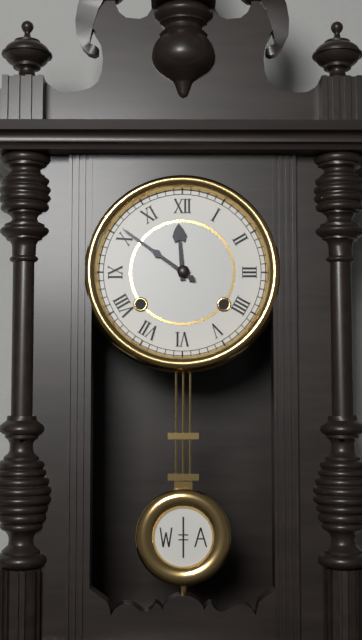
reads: 11,51
